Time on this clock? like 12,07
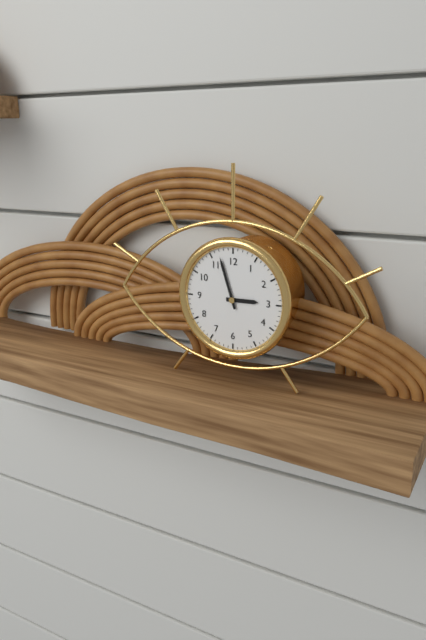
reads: 2,57
